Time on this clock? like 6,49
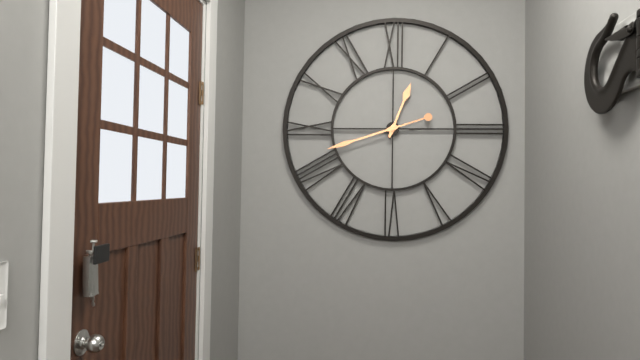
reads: 12,42
